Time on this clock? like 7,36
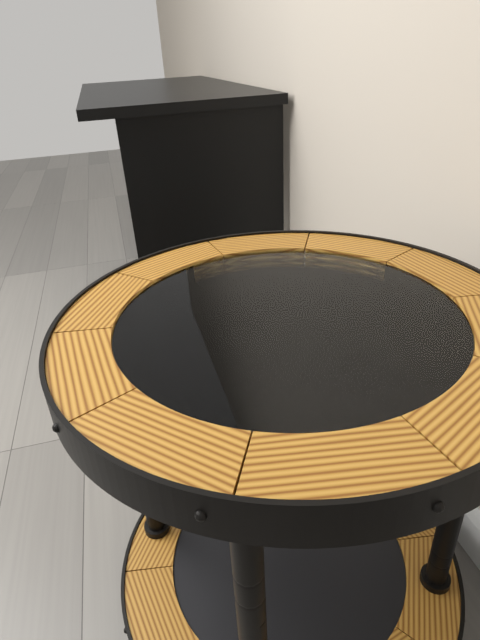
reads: 3,56
